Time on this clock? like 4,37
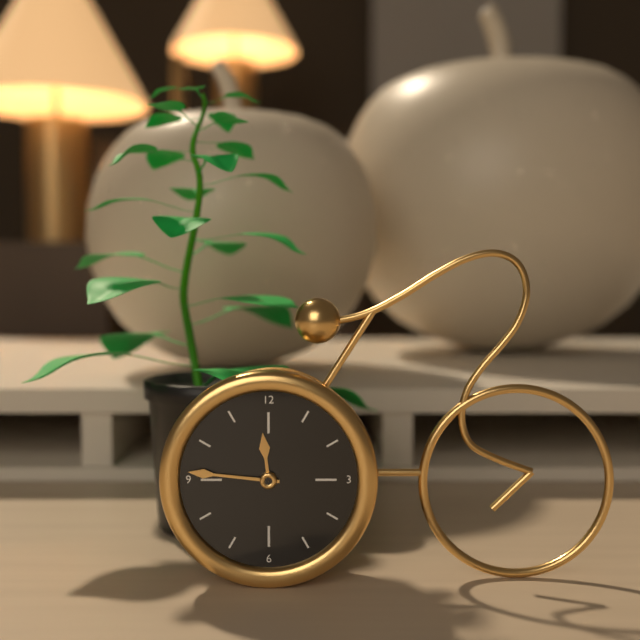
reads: 11,46
